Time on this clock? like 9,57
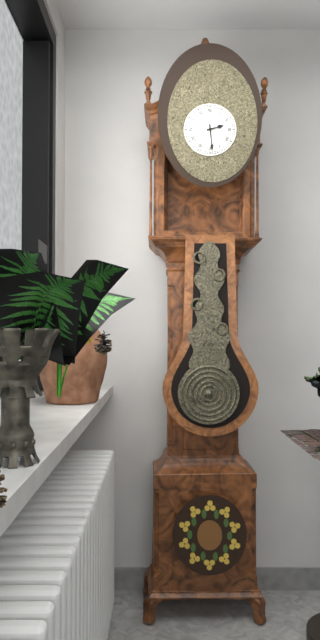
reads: 2,29
